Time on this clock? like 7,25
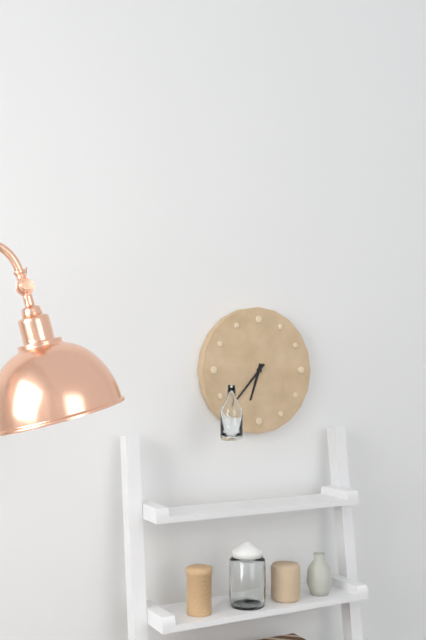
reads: 6,37
